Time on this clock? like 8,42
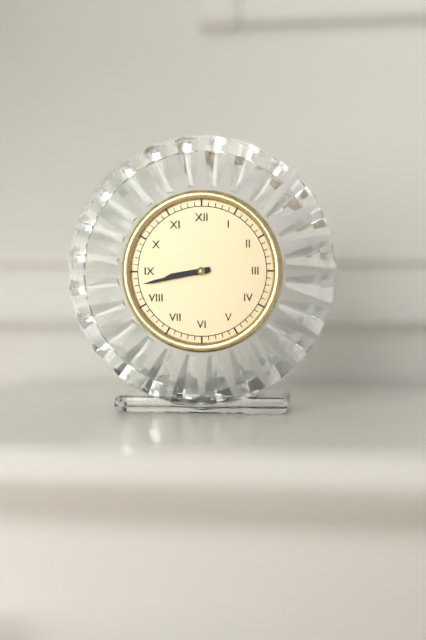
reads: 8,43
